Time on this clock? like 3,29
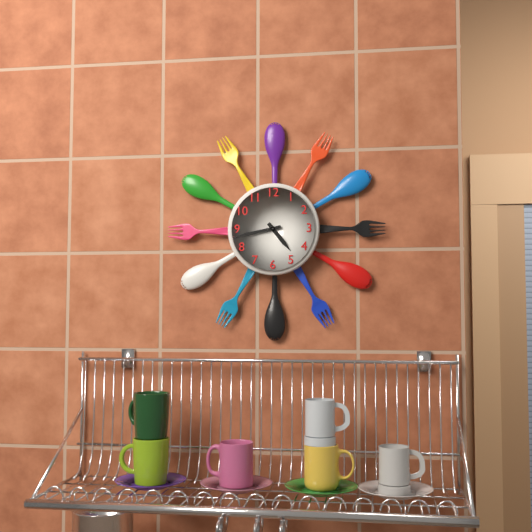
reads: 4,43
